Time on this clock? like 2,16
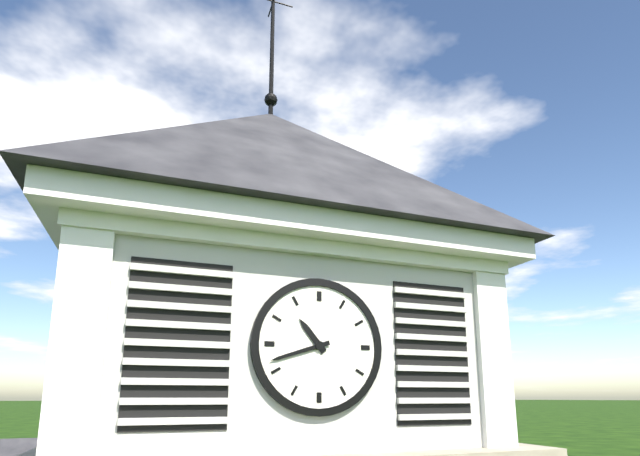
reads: 10,42
